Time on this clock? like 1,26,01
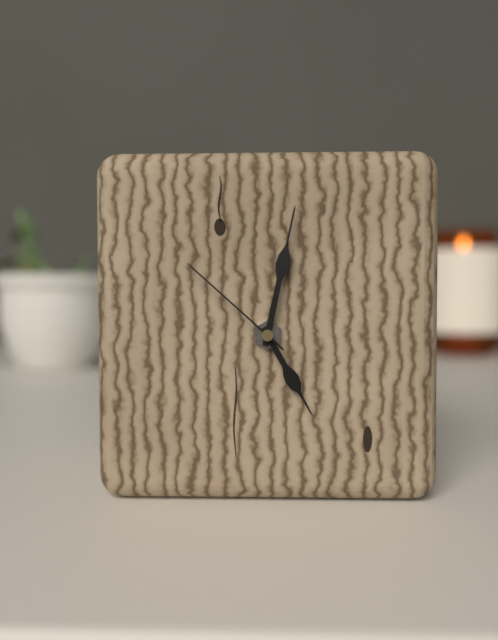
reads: 5,02,52
